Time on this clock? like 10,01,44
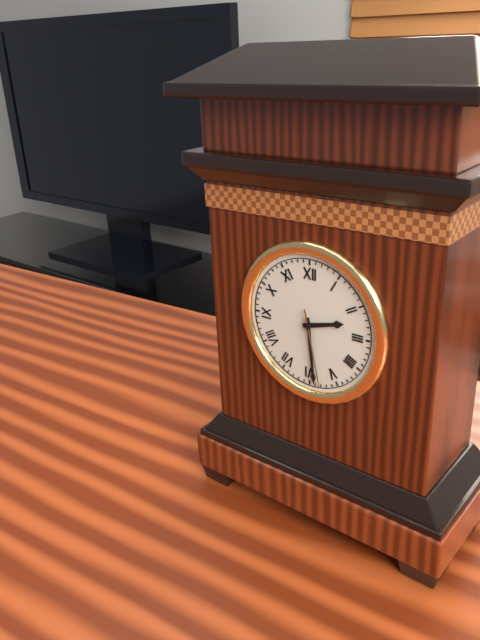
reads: 2,29,28
